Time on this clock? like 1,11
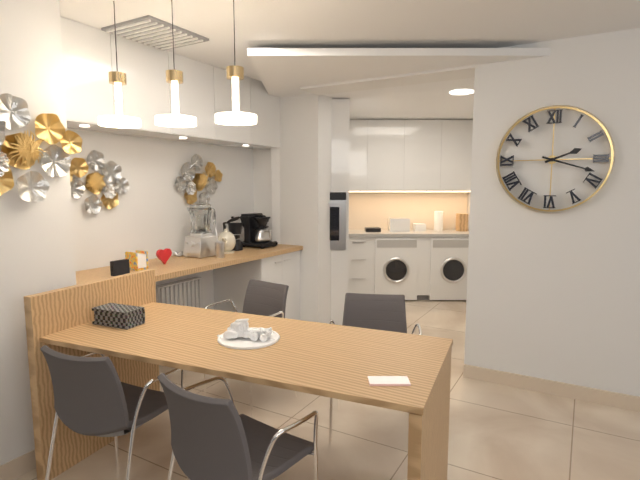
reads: 2,18
